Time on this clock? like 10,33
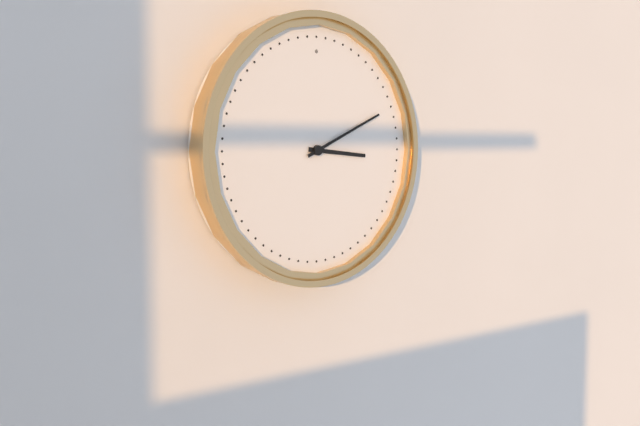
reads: 3,11
